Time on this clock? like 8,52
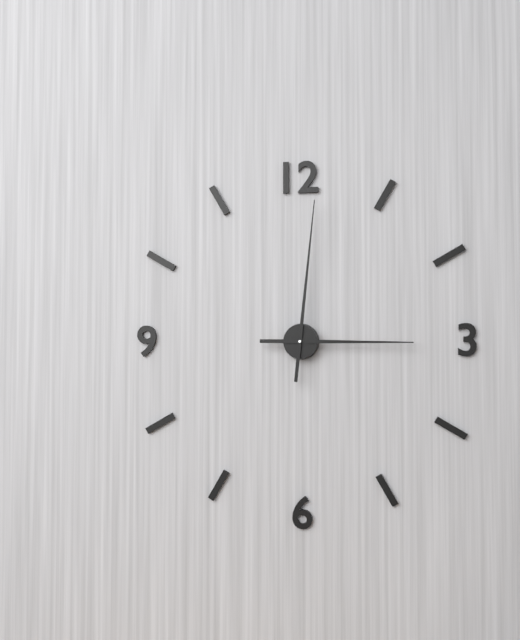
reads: 3,01
